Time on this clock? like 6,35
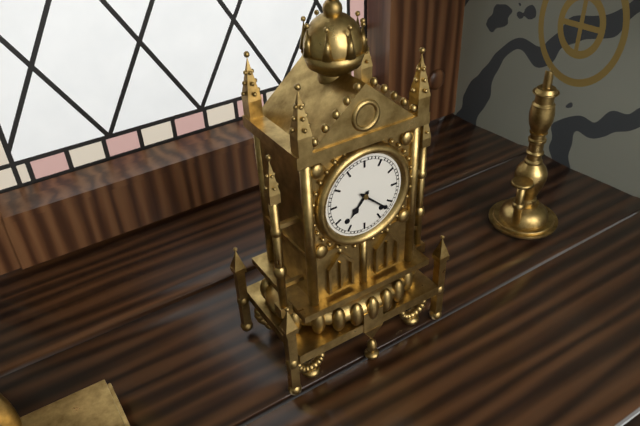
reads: 7,22
